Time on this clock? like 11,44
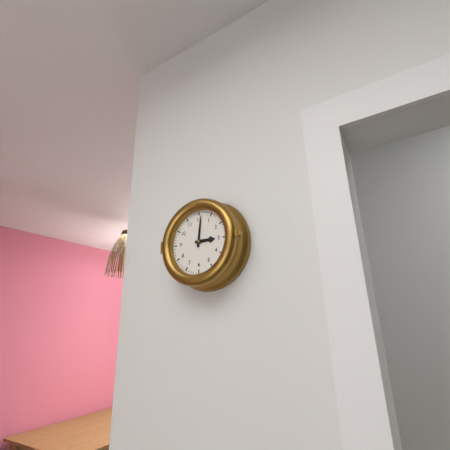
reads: 3,01
